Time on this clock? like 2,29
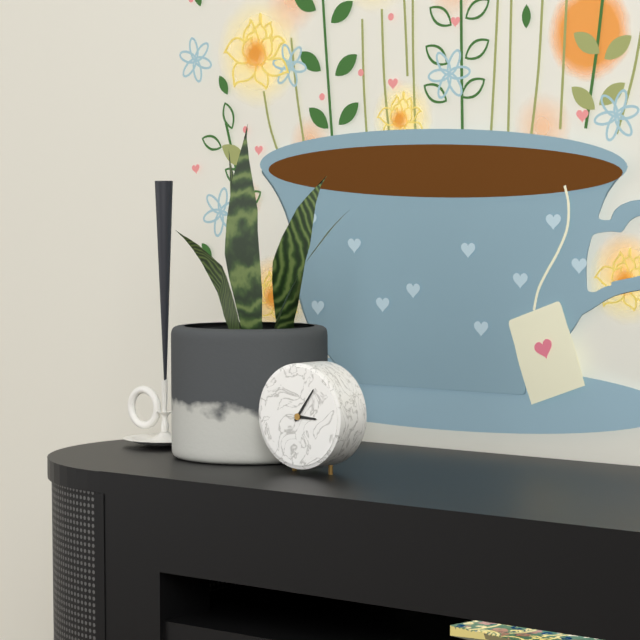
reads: 3,06
